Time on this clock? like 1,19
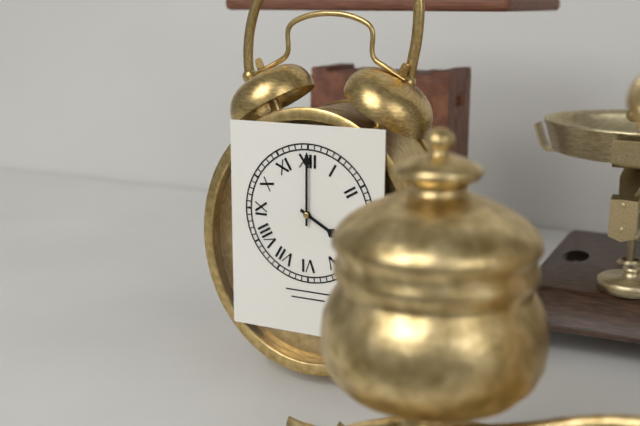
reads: 4,00
